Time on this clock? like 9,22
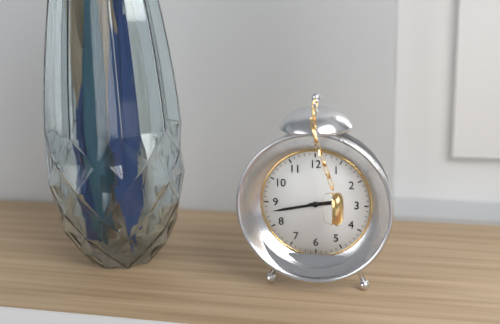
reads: 2,43
